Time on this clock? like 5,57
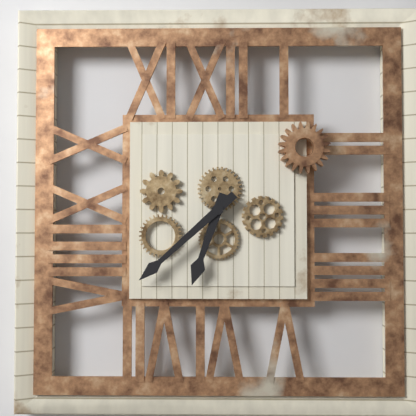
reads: 6,38
